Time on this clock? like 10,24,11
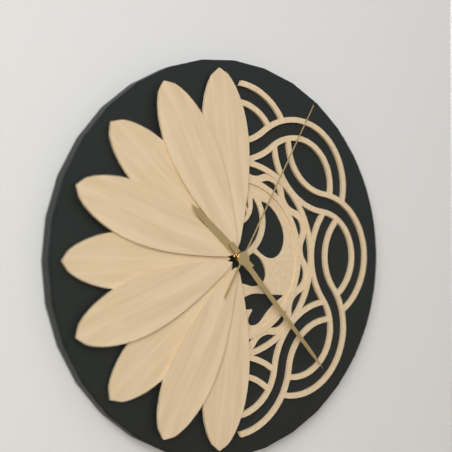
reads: 10,23,05
